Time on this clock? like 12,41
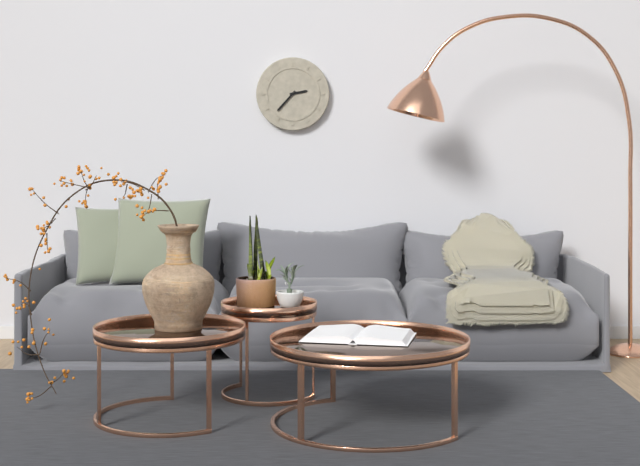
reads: 2,37
